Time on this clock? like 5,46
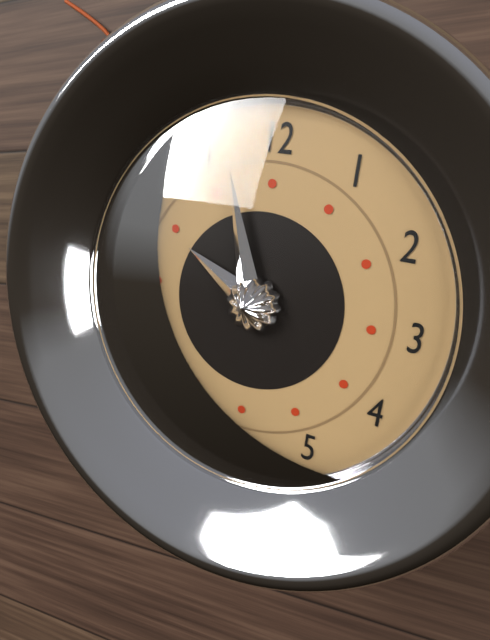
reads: 9,57
